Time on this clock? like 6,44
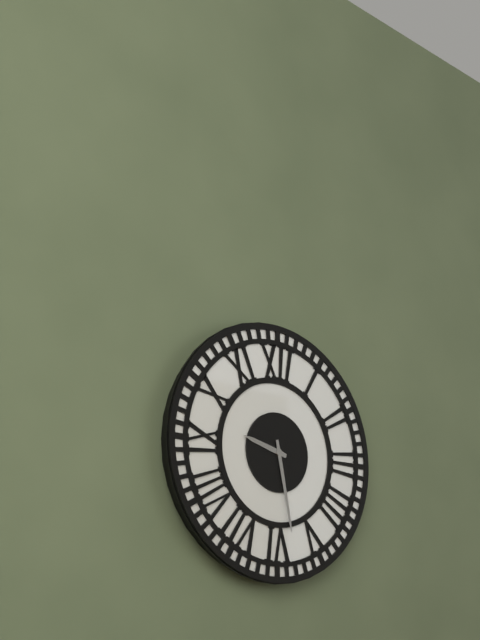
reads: 9,28
